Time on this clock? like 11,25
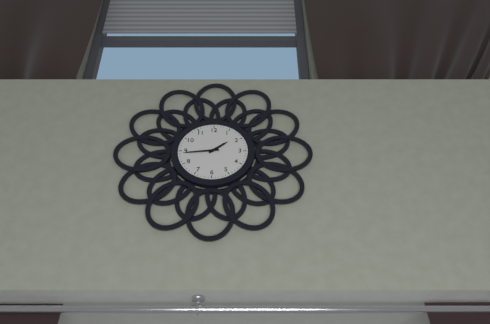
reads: 1,44
